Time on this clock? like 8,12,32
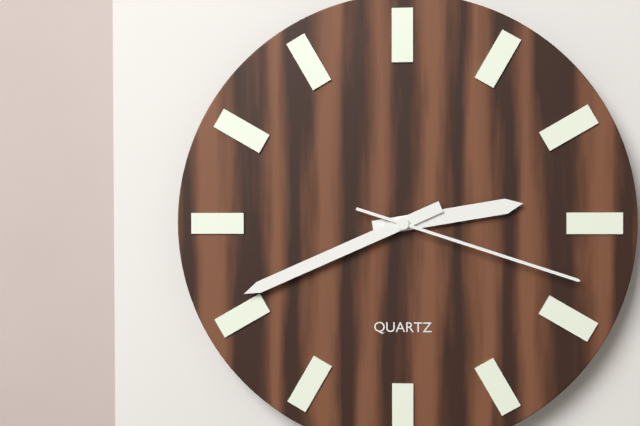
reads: 2,41,18
